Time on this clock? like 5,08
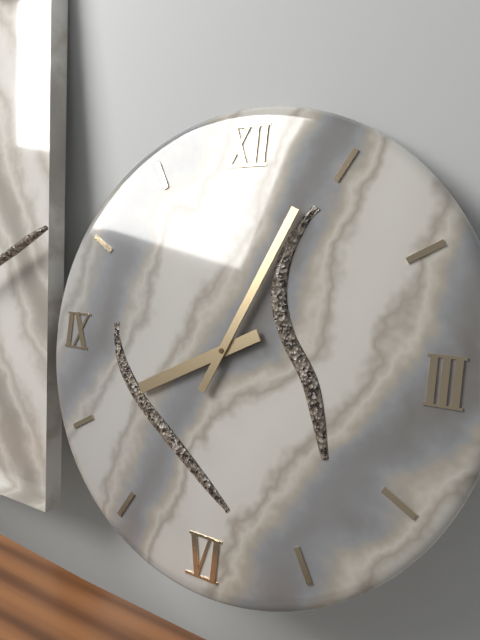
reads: 8,04
